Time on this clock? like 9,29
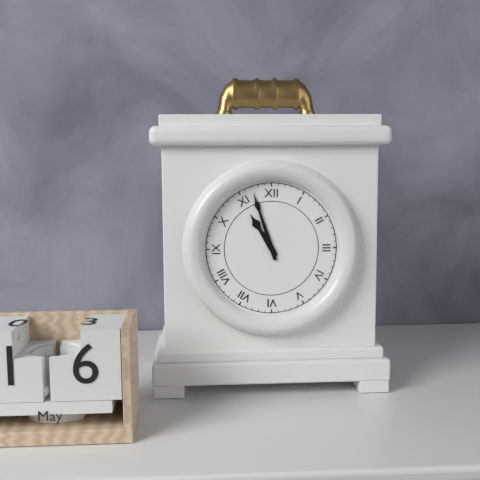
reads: 10,57
